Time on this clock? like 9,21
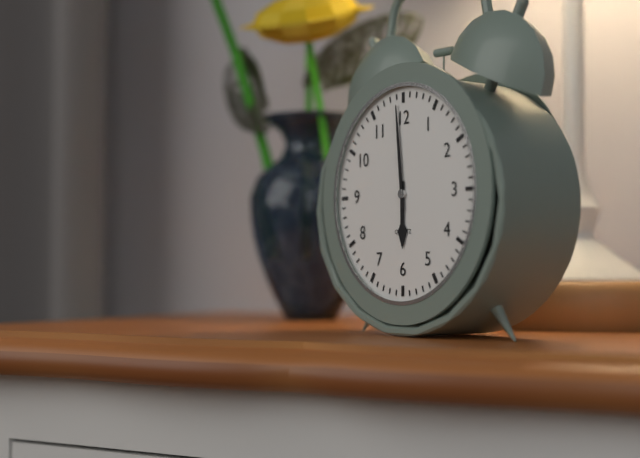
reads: 5,59
